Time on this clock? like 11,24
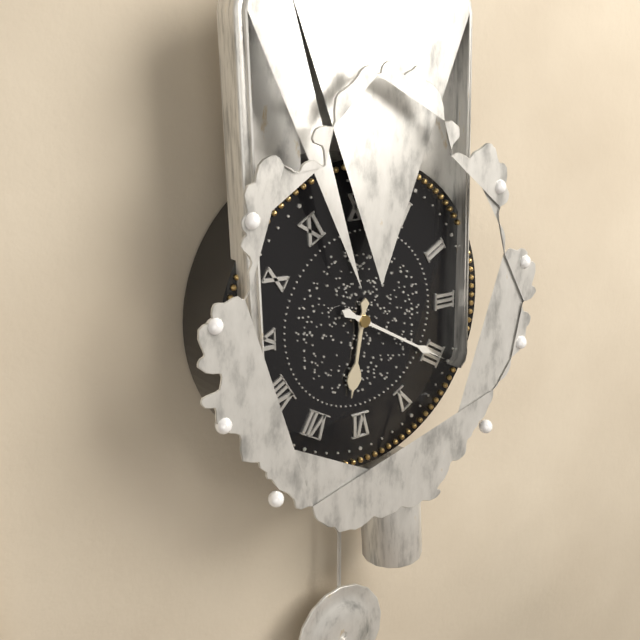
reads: 6,20
